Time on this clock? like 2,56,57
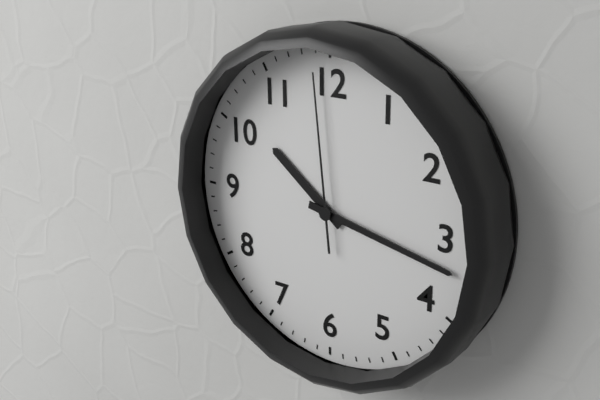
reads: 10,17,59
